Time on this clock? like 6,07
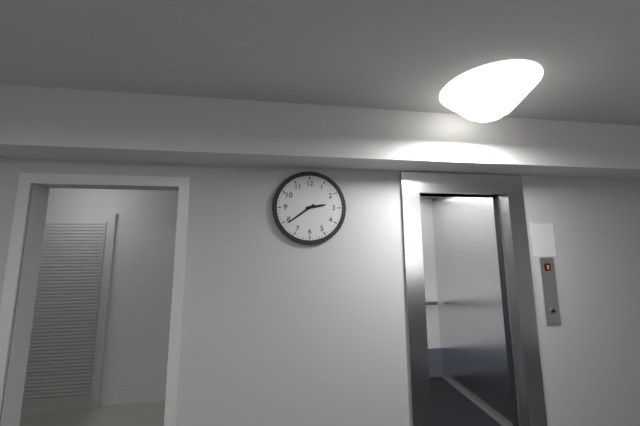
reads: 2,39
